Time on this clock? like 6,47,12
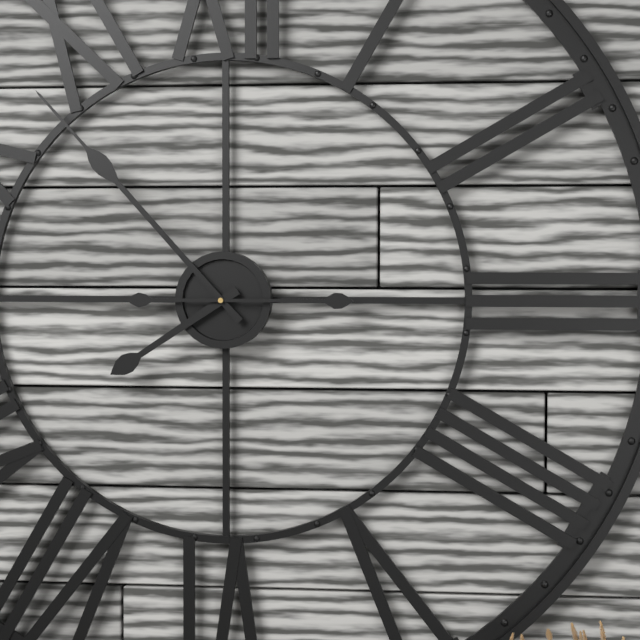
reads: 7,53,15
